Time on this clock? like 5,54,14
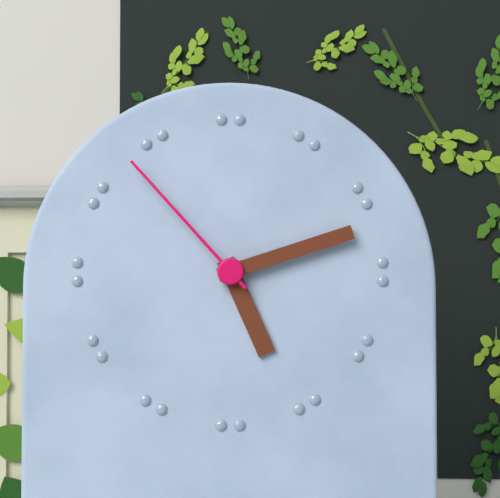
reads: 5,12,53
